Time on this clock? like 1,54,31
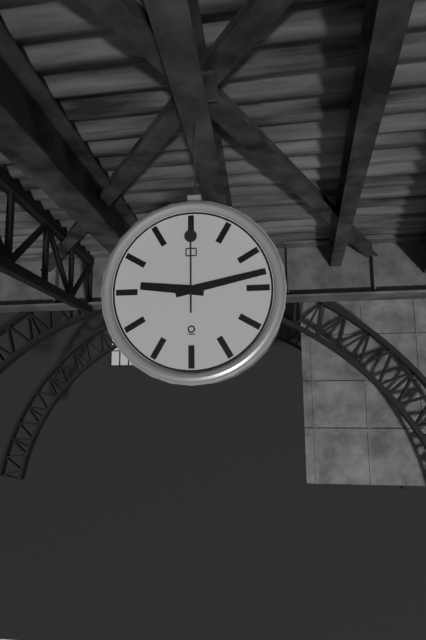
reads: 9,13,00
